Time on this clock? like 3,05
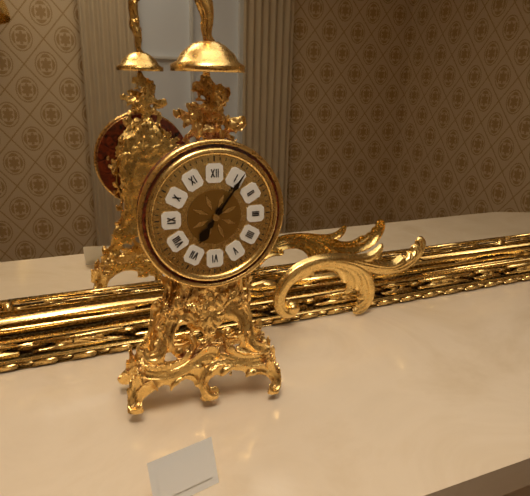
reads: 7,06
